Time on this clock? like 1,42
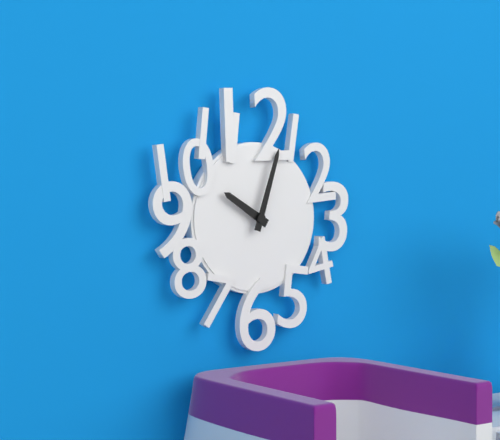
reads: 10,03
